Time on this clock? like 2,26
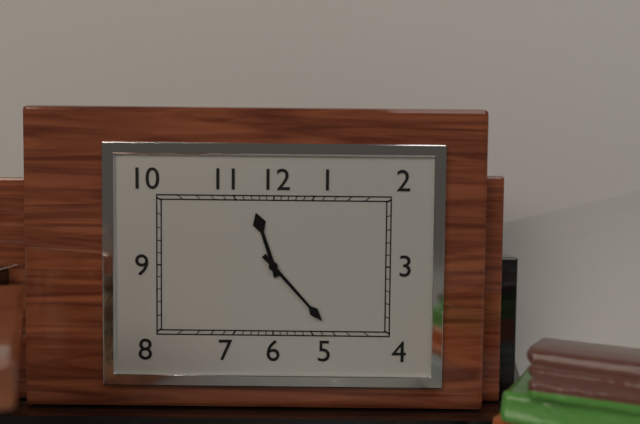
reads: 11,23
